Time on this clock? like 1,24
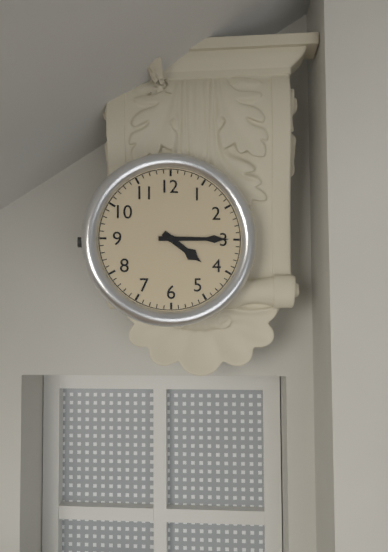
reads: 4,15
